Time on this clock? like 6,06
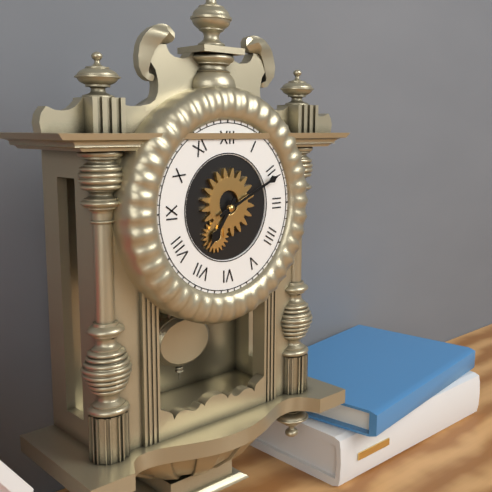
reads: 7,11
